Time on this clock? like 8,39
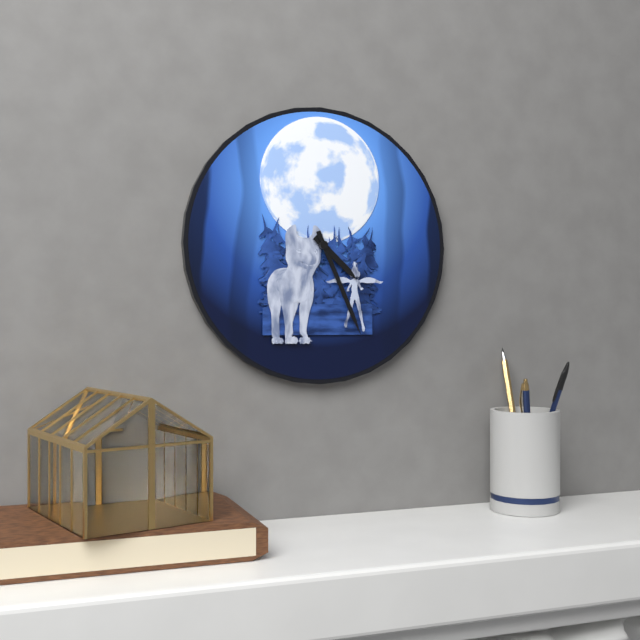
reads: 4,26
